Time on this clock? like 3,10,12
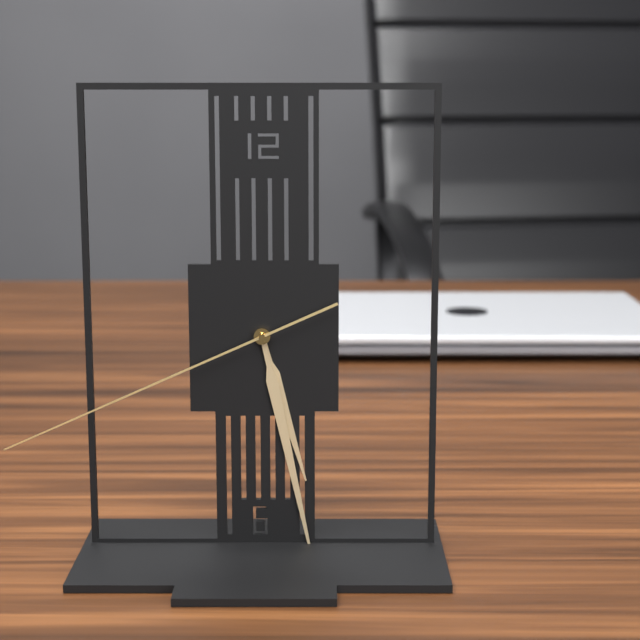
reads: 5,28,41
